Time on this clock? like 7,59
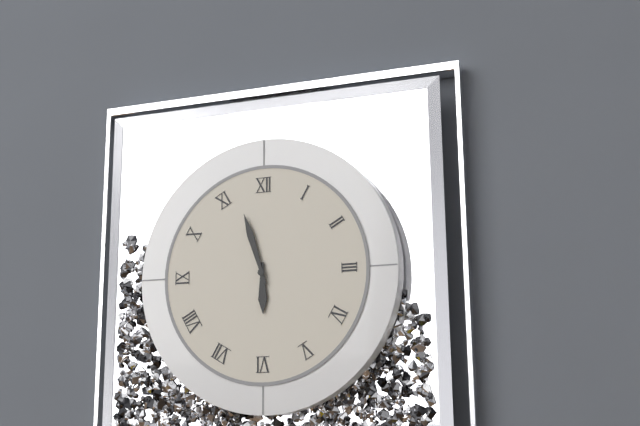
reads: 5,57
